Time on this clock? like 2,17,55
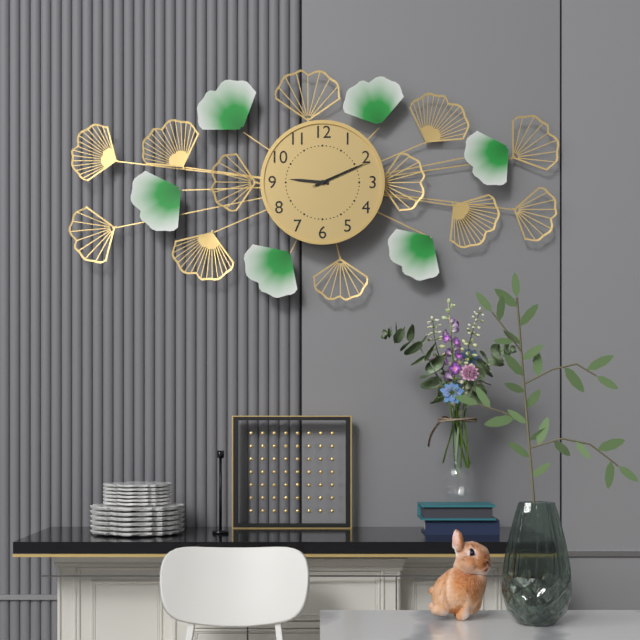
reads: 9,11,11
